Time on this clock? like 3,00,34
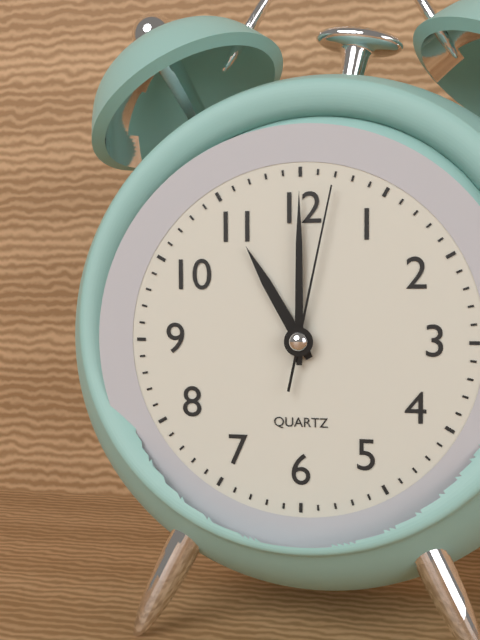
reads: 11,00,02
